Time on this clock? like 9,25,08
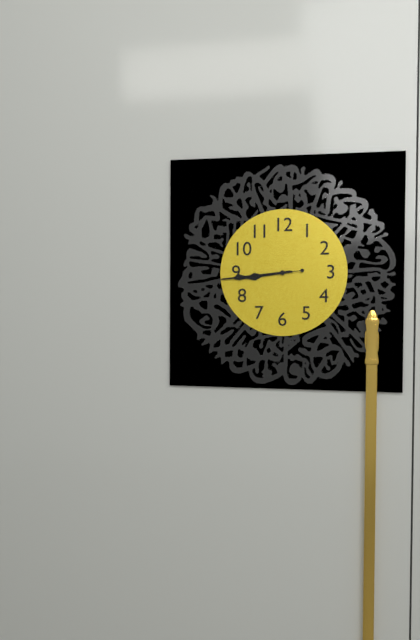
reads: 8,44,44
